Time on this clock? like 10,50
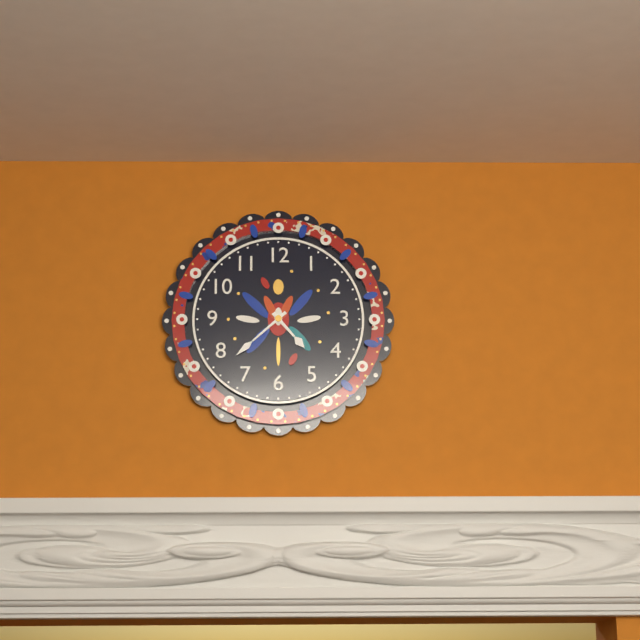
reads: 4,38
